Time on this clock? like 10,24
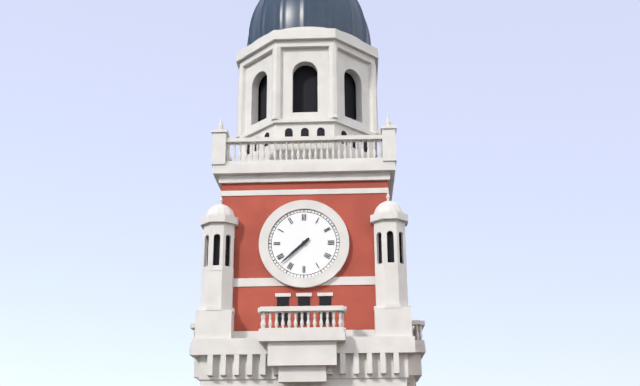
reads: 7,38
